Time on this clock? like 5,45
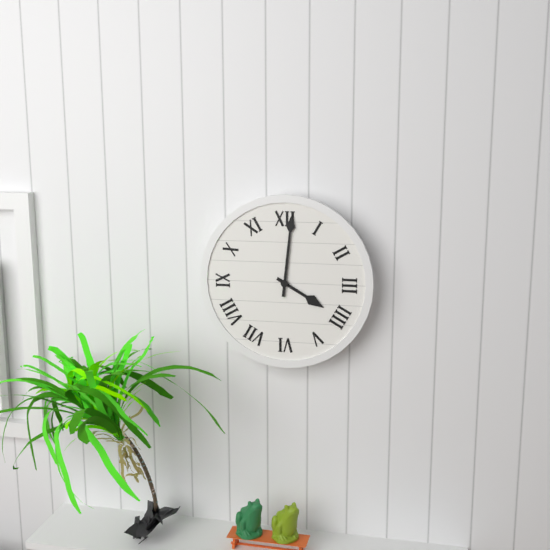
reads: 4,01
